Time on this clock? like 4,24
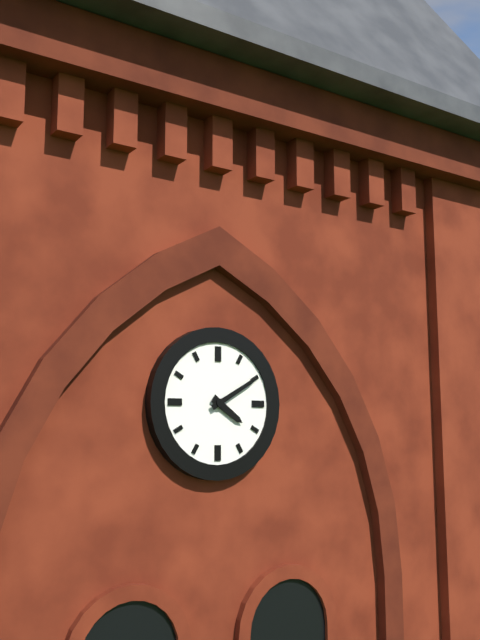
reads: 4,10
